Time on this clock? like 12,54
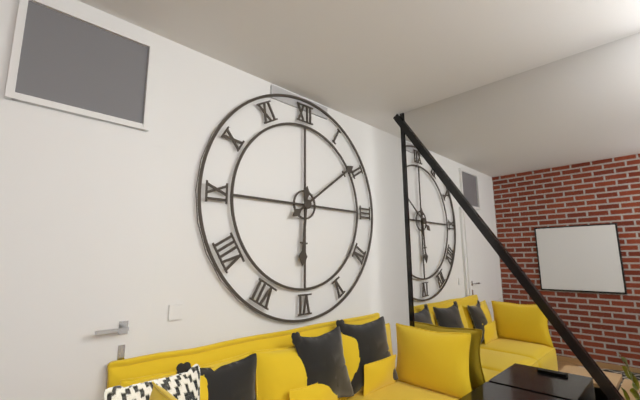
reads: 6,09
